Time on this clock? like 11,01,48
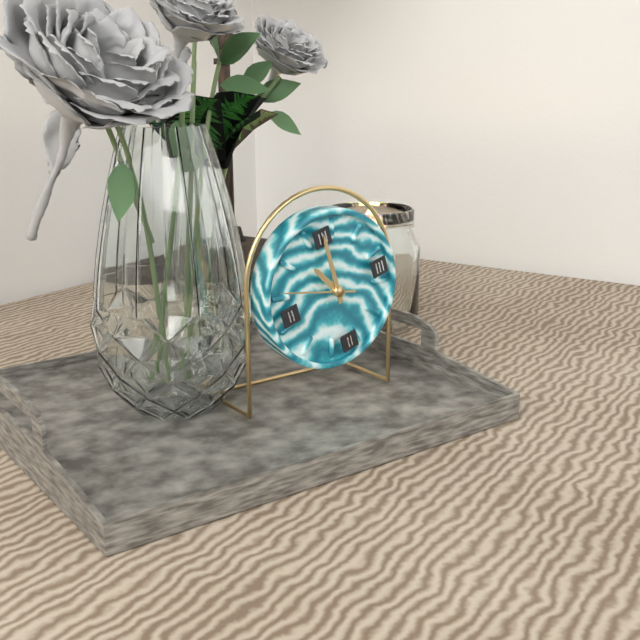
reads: 11,00,49
